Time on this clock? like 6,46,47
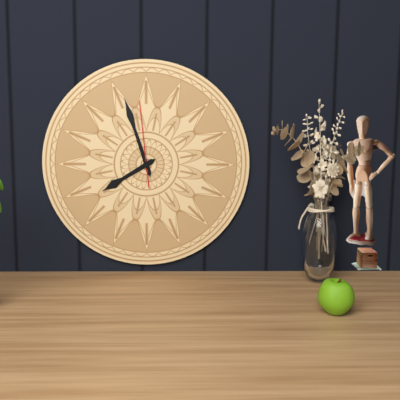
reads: 7,57,59
